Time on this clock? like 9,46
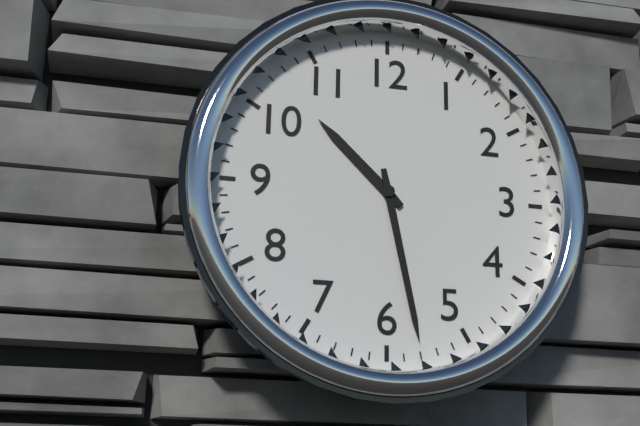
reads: 10,28
